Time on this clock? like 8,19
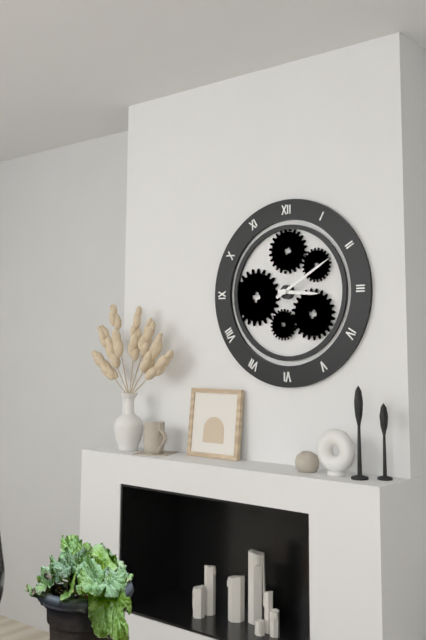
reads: 3,10
